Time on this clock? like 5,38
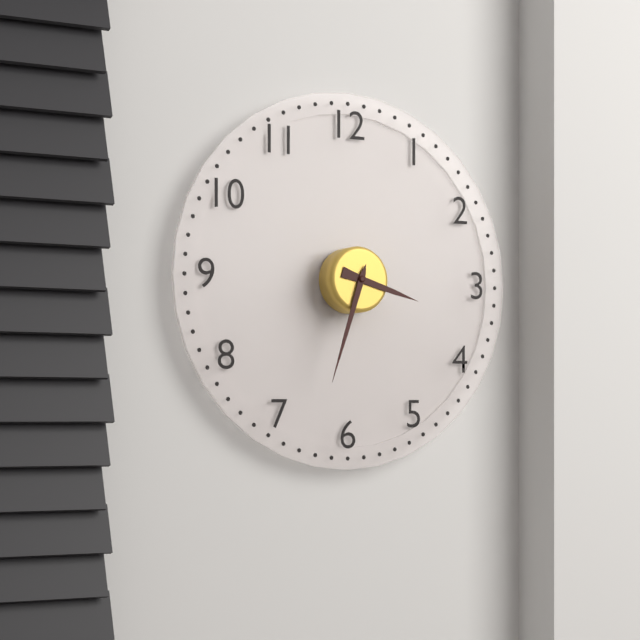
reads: 3,33
